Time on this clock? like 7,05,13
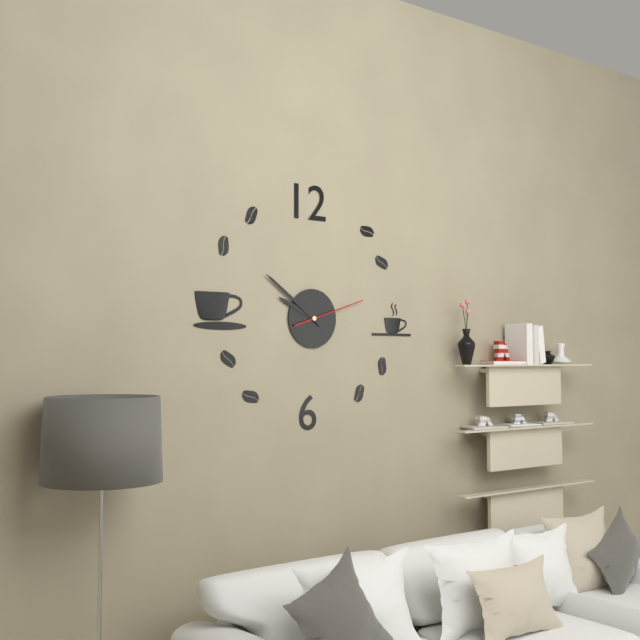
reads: 9,51,12
